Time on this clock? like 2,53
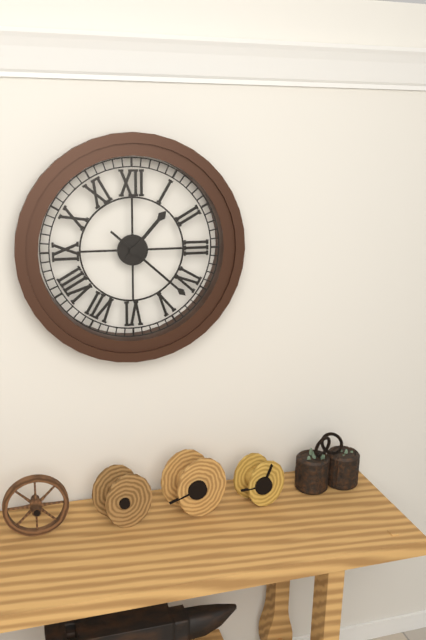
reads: 1,22
